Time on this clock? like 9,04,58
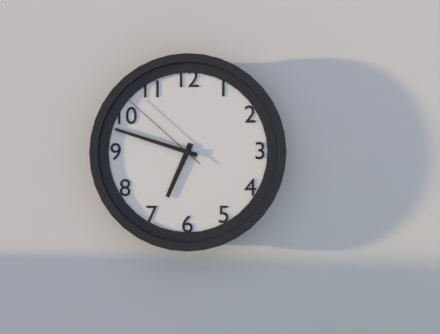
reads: 6,48,52
